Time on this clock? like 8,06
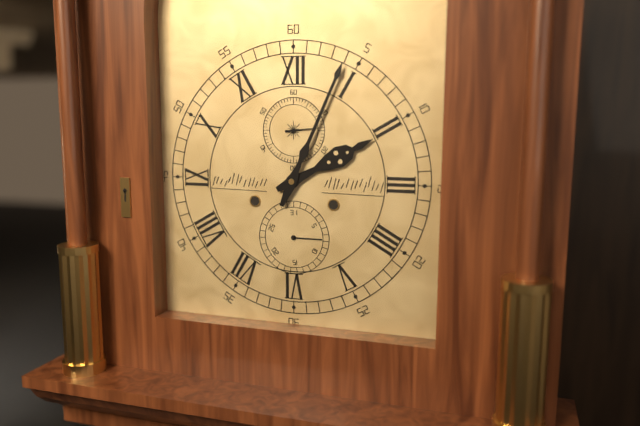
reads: 2,04
